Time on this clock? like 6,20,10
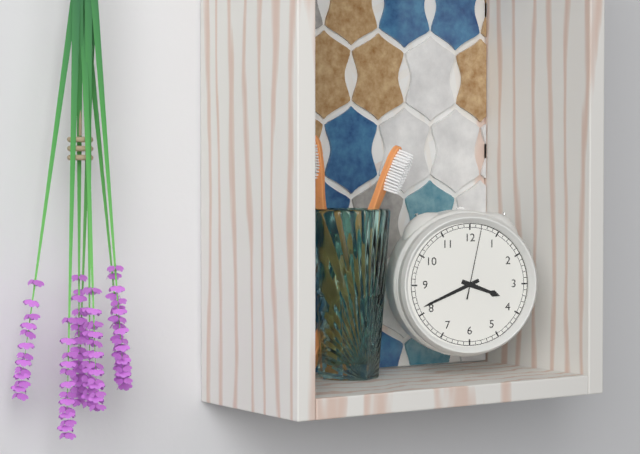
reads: 3,41,02
